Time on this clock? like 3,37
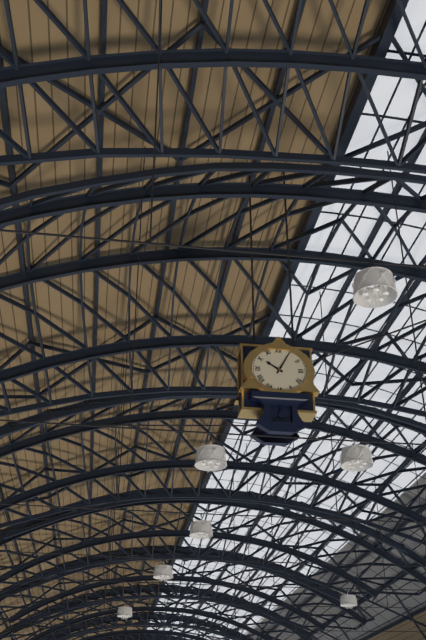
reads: 10,05
